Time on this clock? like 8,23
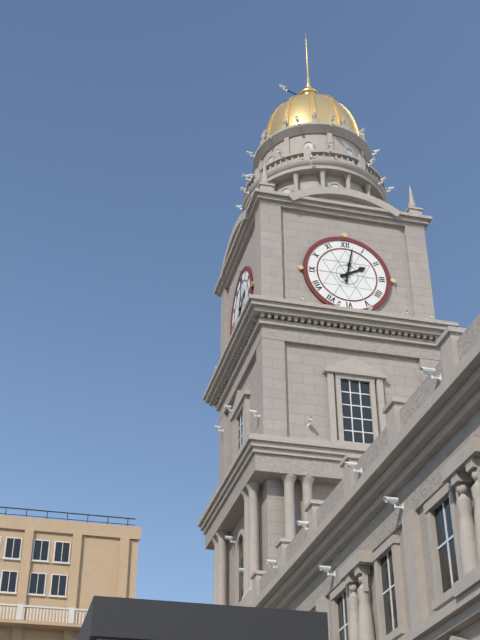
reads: 2,02
